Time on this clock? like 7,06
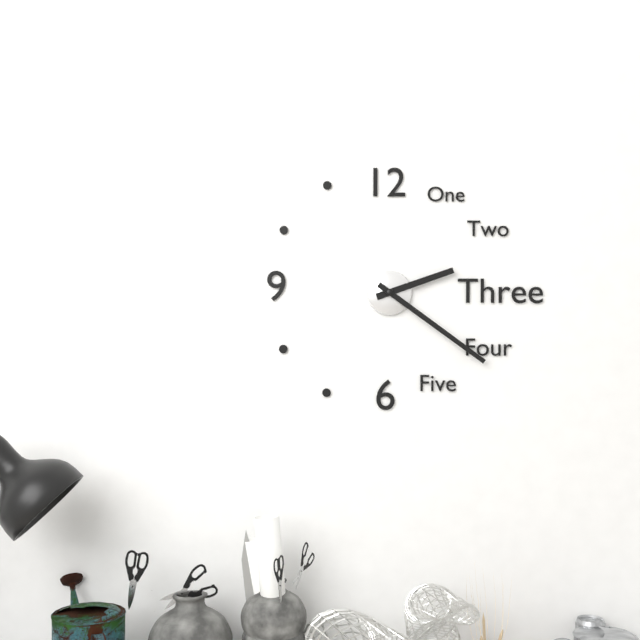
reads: 2,21
